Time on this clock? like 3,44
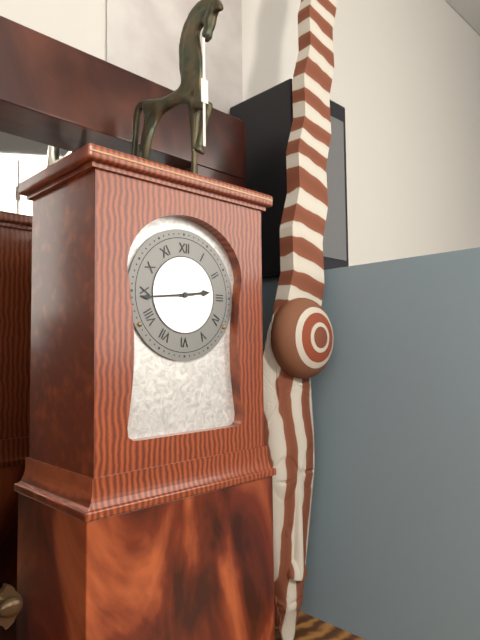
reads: 2,44
